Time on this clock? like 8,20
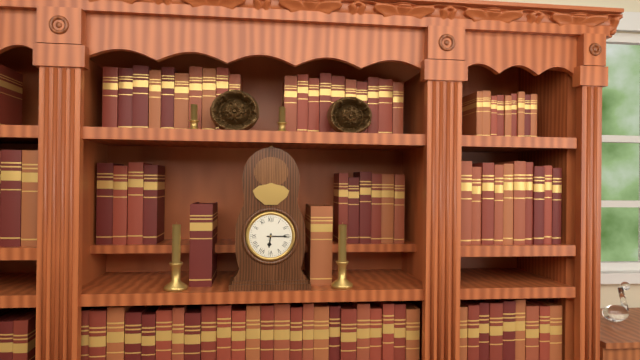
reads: 6,15
